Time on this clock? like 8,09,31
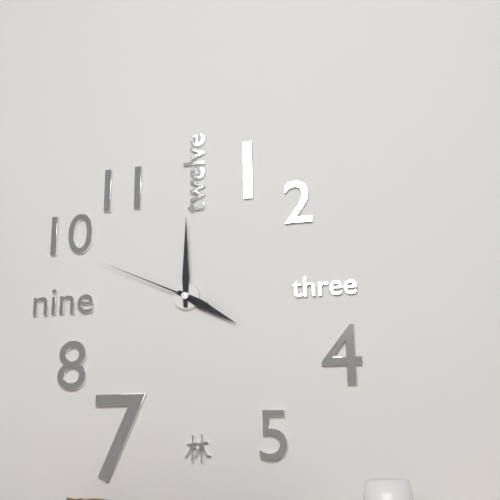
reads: 4,00,49
